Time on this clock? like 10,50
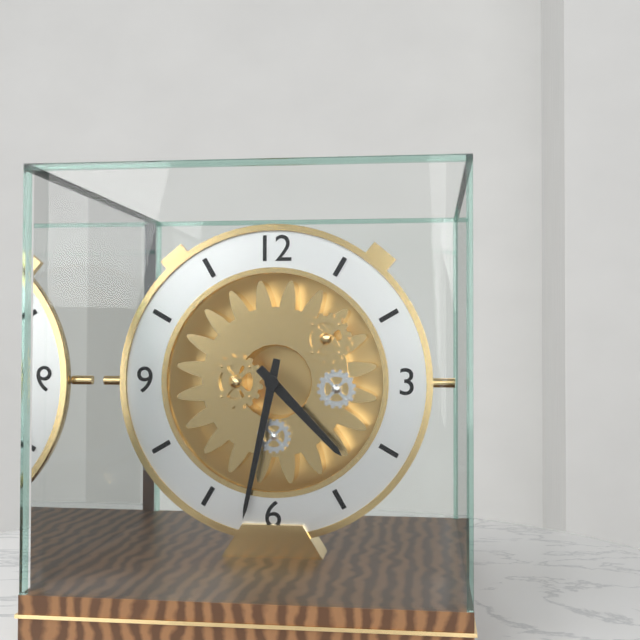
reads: 4,32
